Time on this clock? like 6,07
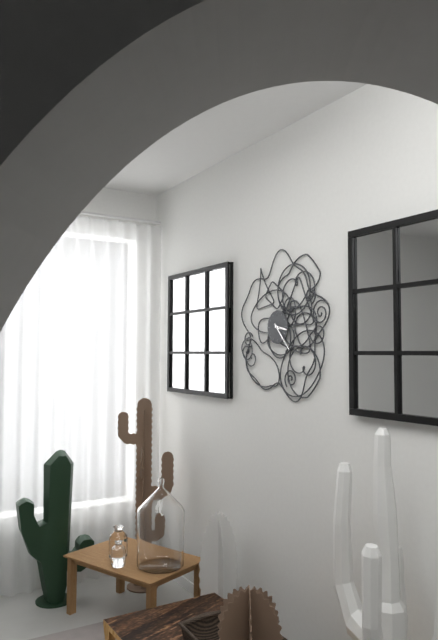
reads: 3,23
